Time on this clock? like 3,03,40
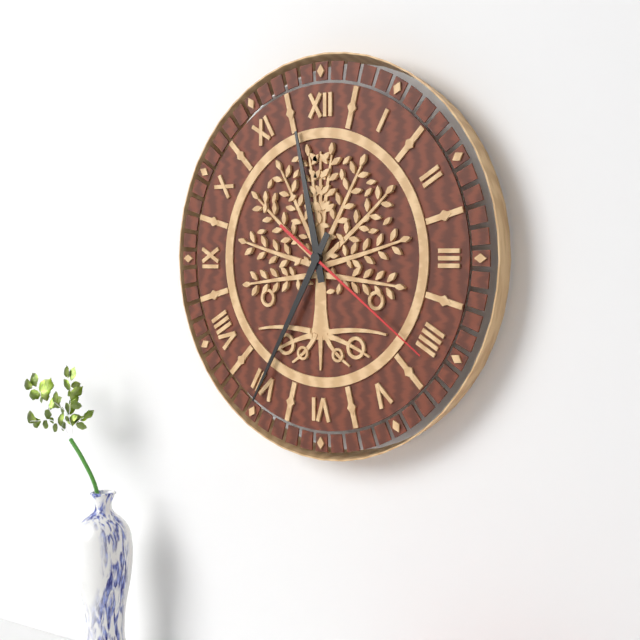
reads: 11,35,21
